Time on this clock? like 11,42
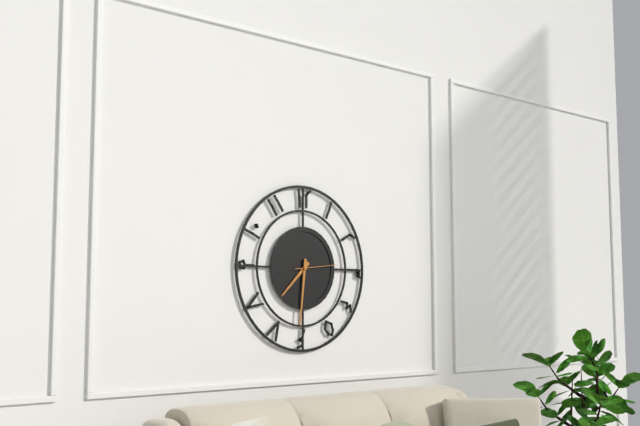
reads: 7,31
